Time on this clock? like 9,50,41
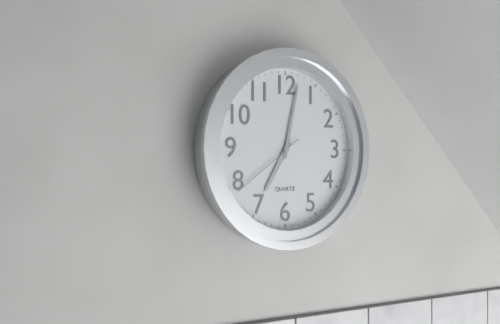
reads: 7,02,39
